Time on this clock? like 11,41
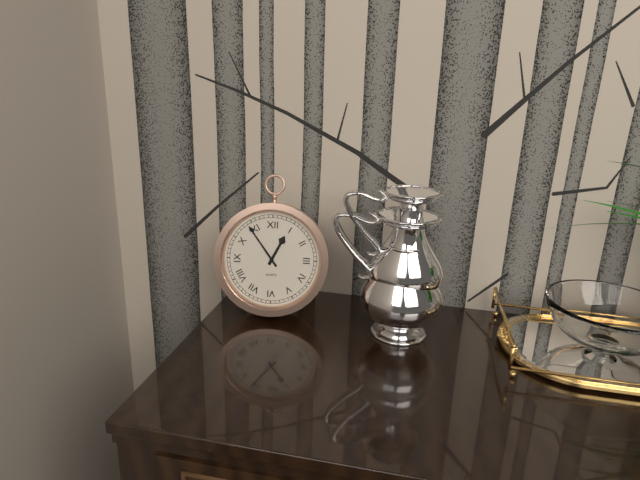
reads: 12,54
